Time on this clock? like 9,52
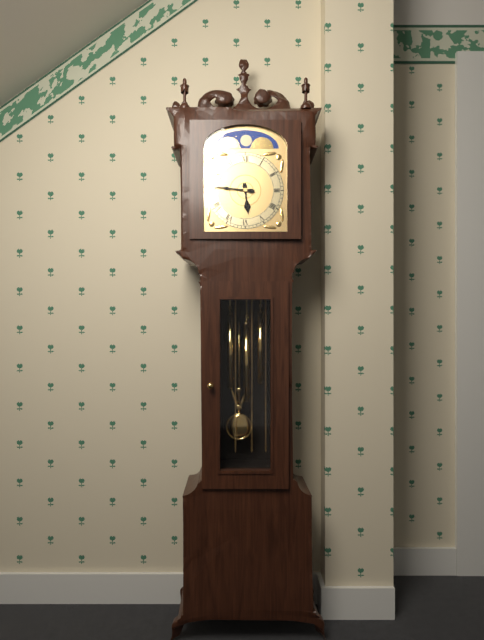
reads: 5,46
